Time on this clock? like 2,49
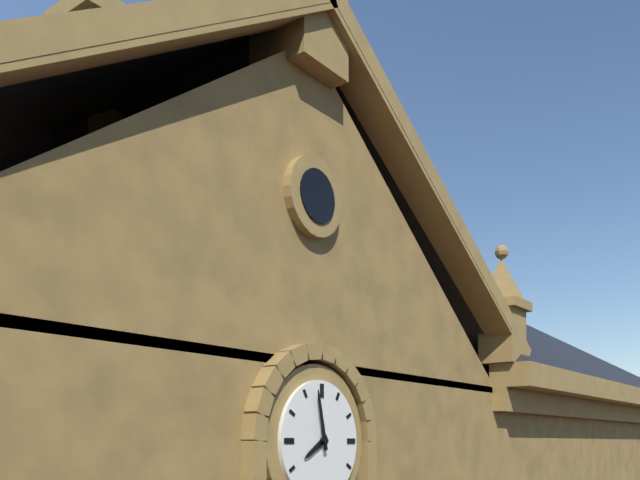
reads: 7,58
